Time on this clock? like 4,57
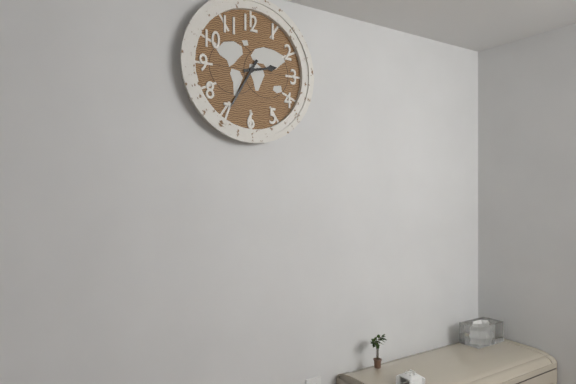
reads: 2,35
